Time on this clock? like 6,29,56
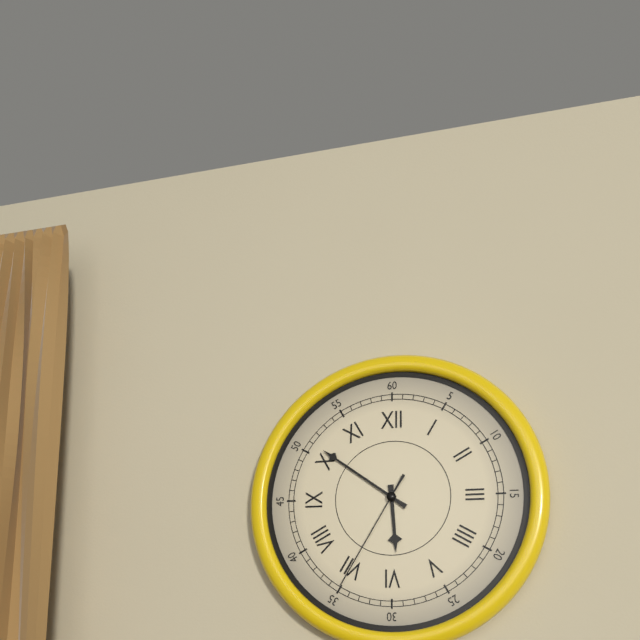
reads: 5,51,35
